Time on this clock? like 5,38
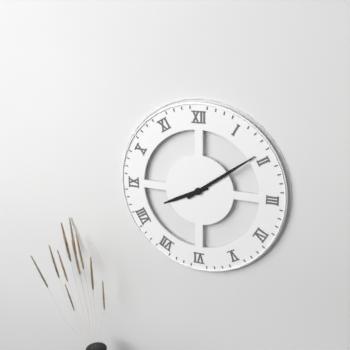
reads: 8,09
